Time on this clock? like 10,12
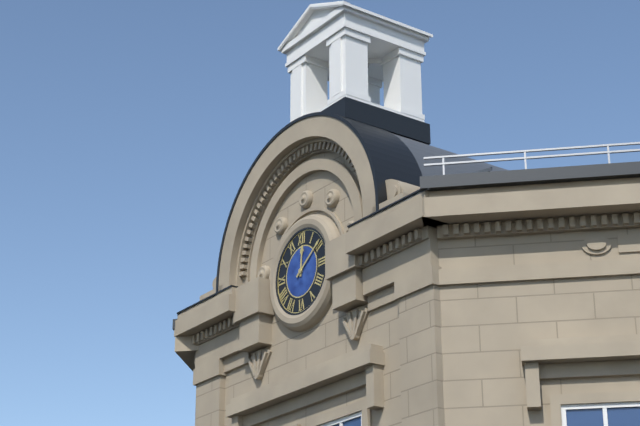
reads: 12,09
